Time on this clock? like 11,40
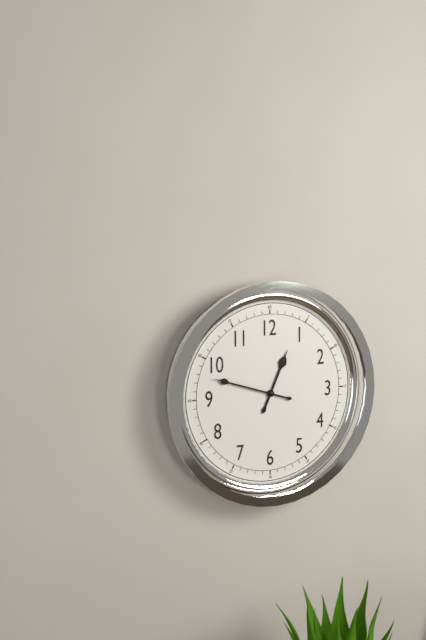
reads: 12,48
